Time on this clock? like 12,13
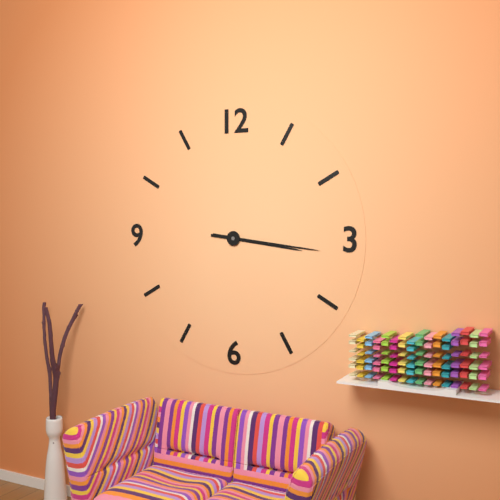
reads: 3,16
